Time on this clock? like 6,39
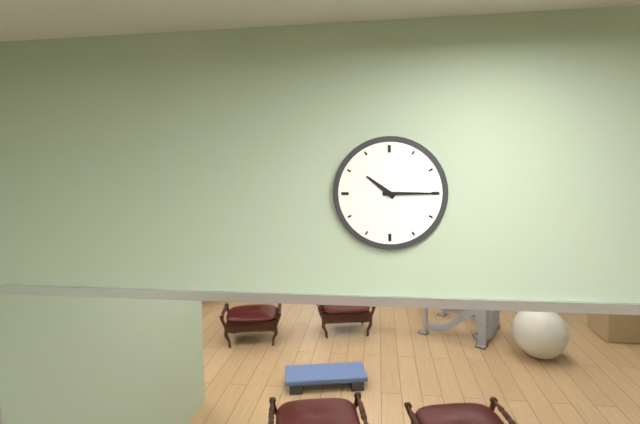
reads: 10,15
